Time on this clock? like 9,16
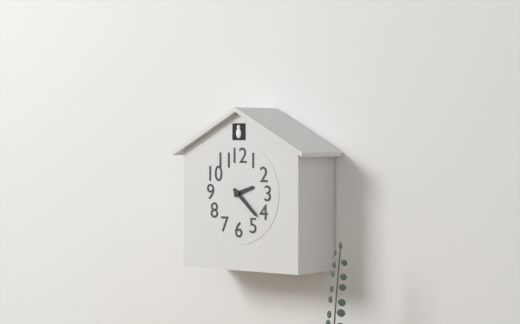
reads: 2,22
